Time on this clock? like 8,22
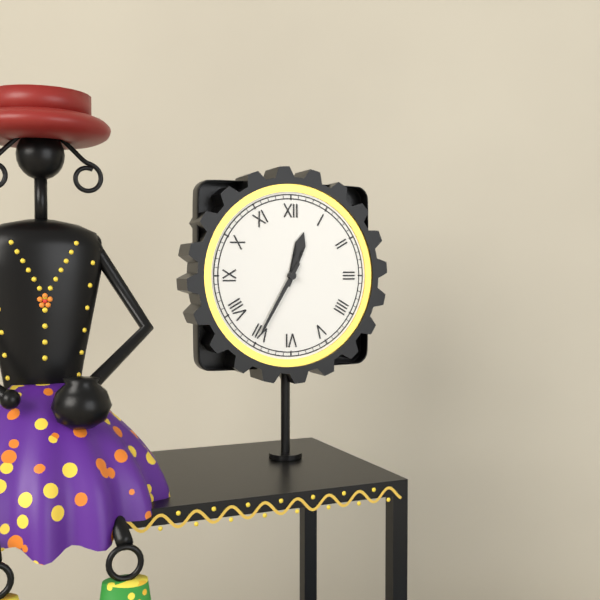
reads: 12,35
